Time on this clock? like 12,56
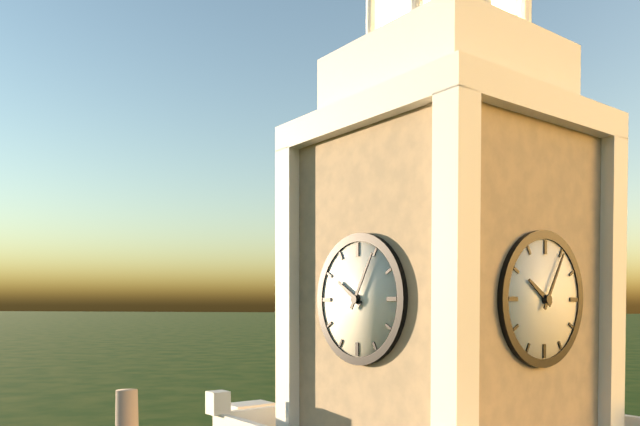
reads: 10,05
